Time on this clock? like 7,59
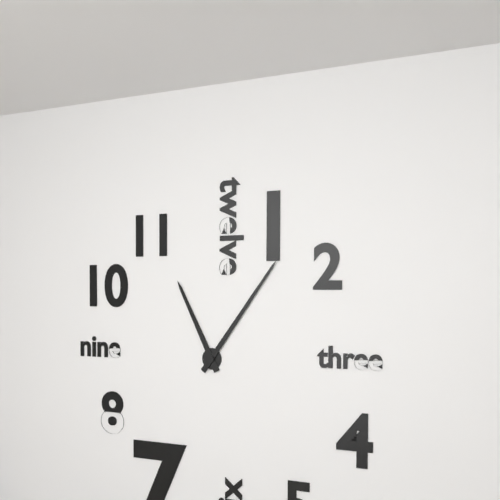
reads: 11,06
